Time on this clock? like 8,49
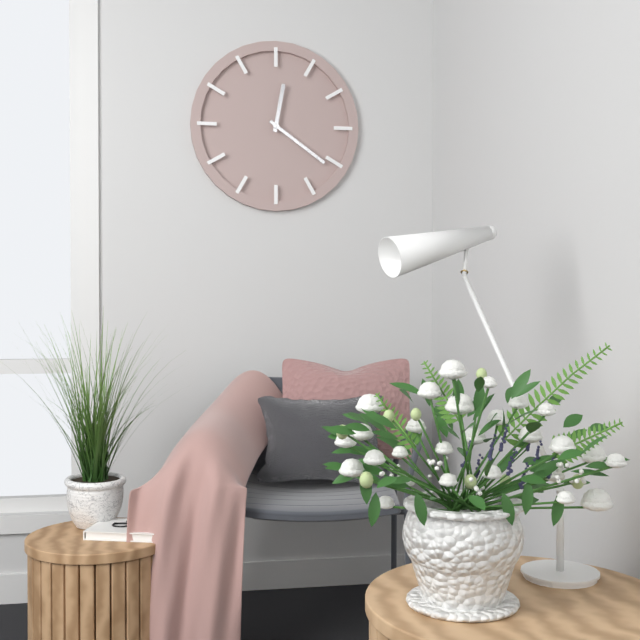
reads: 12,21
